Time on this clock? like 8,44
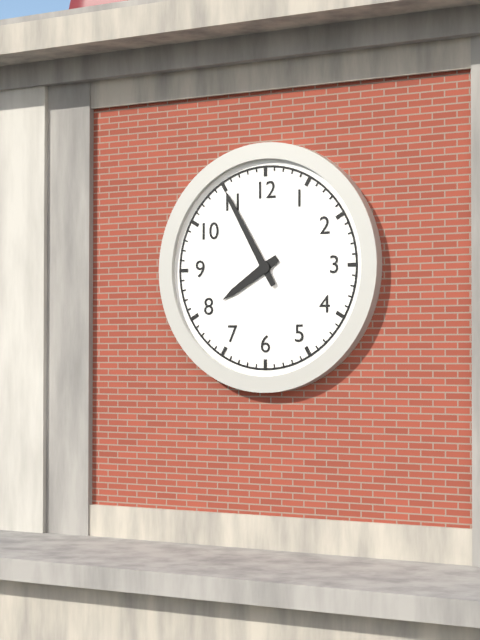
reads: 7,55
